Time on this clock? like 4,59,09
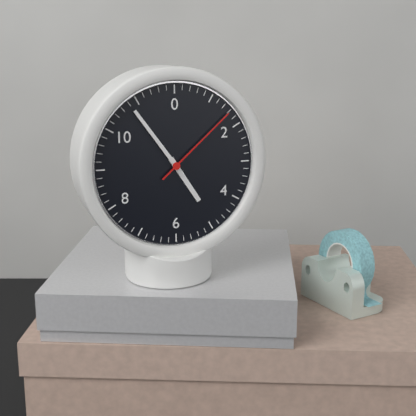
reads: 4,54,08
